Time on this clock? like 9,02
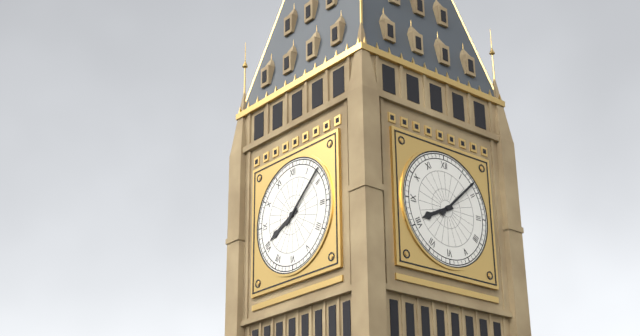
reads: 8,08
